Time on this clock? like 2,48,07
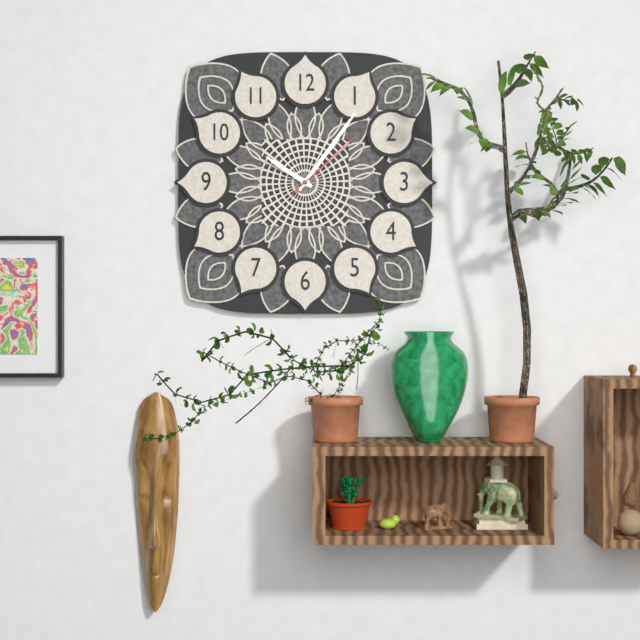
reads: 10,06,08
